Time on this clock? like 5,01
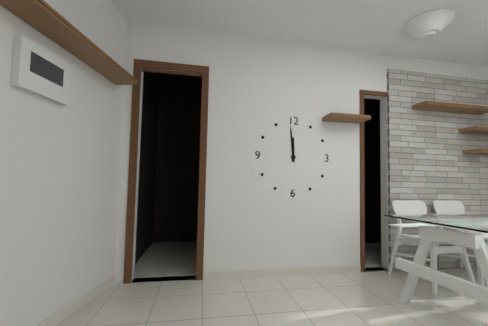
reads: 11,59
